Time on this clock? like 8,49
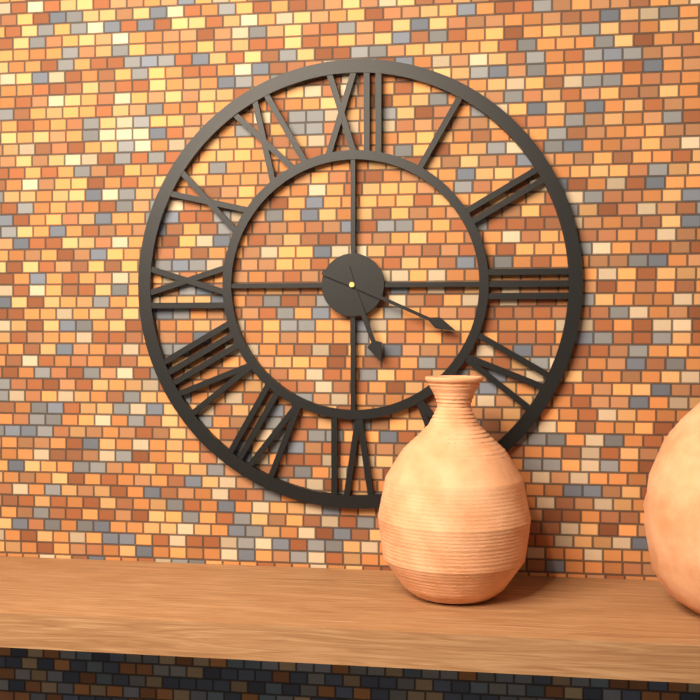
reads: 5,19
